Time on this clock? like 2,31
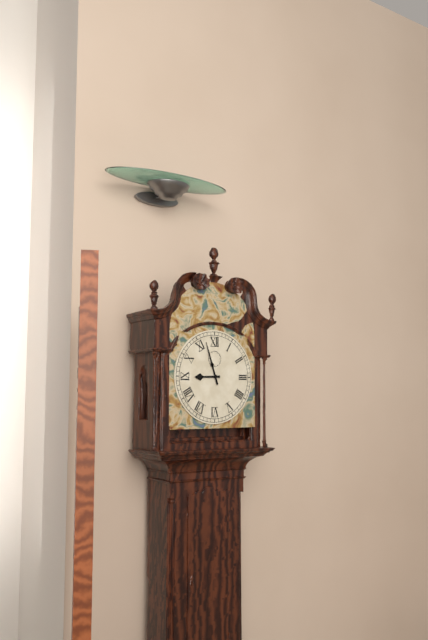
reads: 8,57
